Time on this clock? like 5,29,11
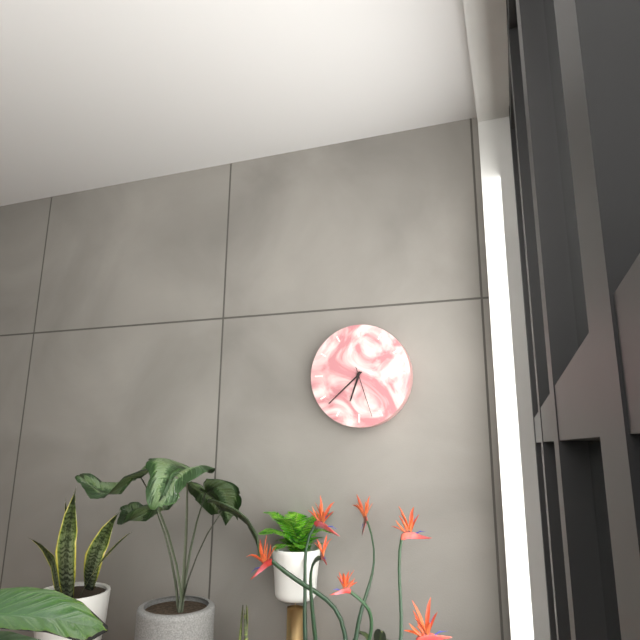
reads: 6,38,27
